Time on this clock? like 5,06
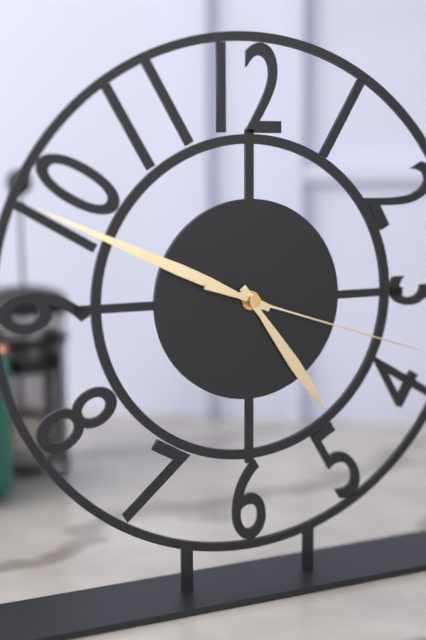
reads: 4,49
